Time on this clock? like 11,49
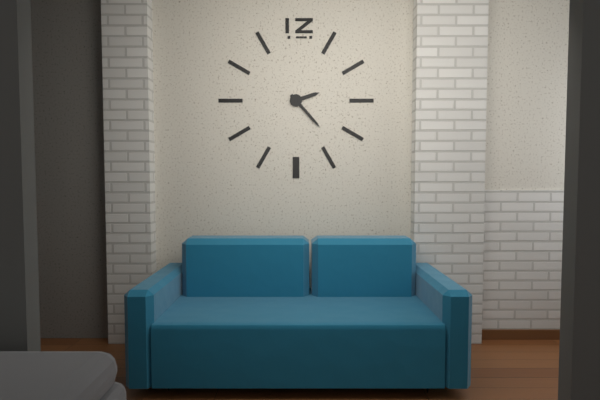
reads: 2,23
